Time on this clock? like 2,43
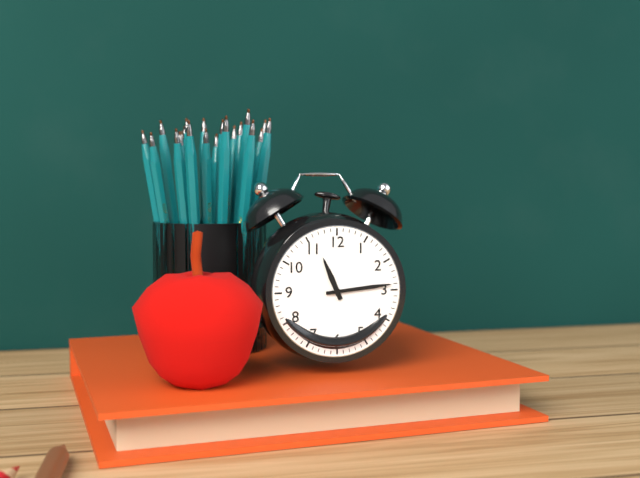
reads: 11,14
